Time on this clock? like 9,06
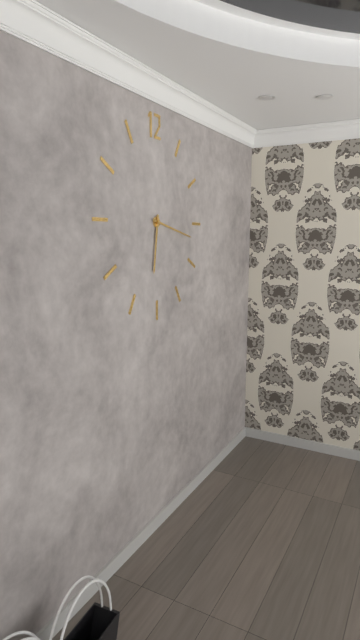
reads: 6,17
